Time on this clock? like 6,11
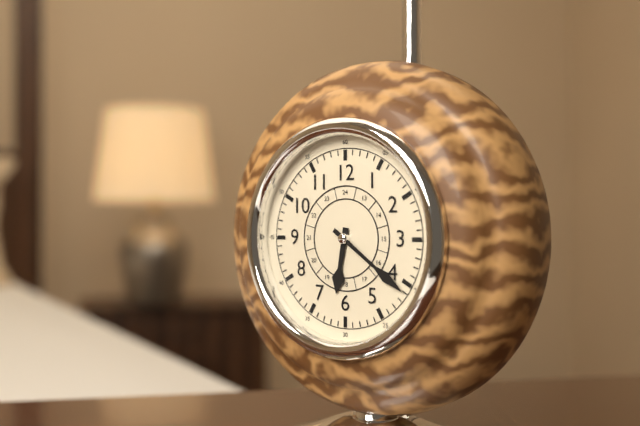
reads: 6,21
